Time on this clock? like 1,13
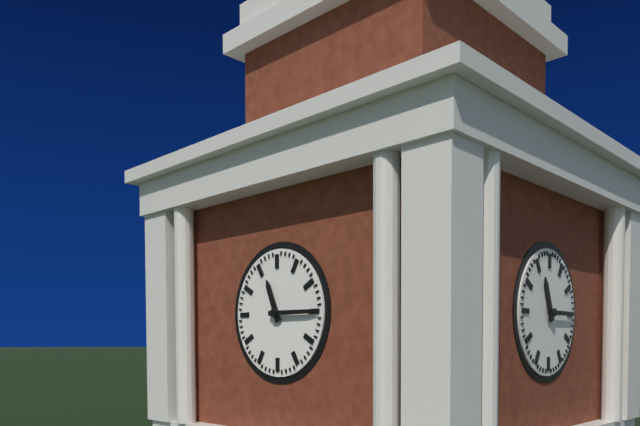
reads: 11,15
